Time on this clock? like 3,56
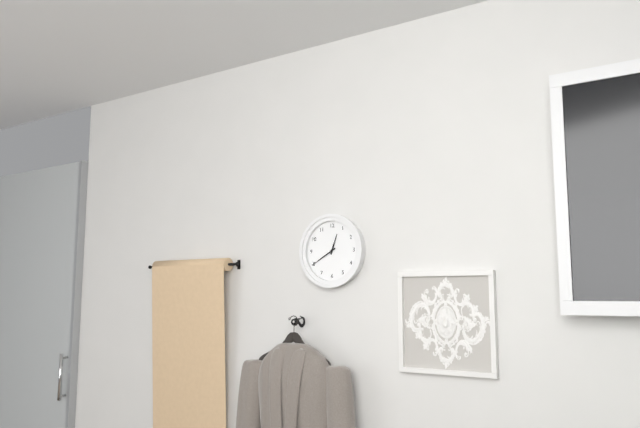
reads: 12,40
